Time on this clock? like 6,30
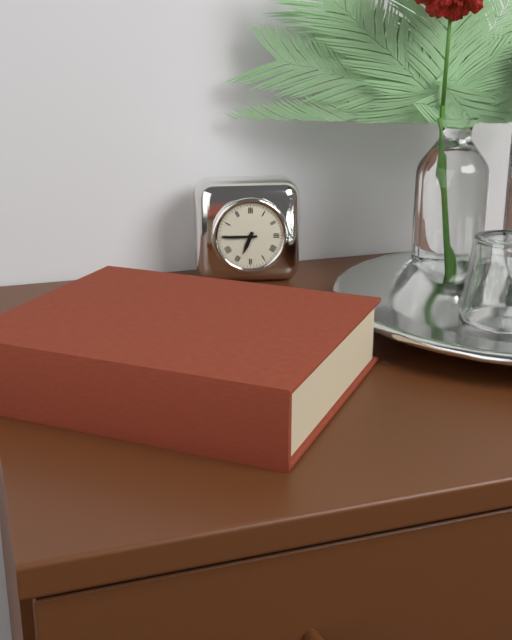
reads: 6,45
